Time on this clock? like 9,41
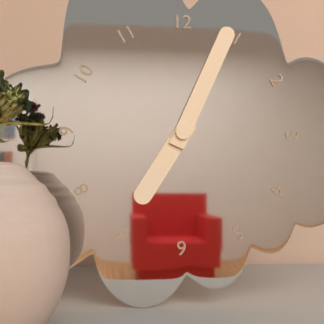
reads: 7,04
